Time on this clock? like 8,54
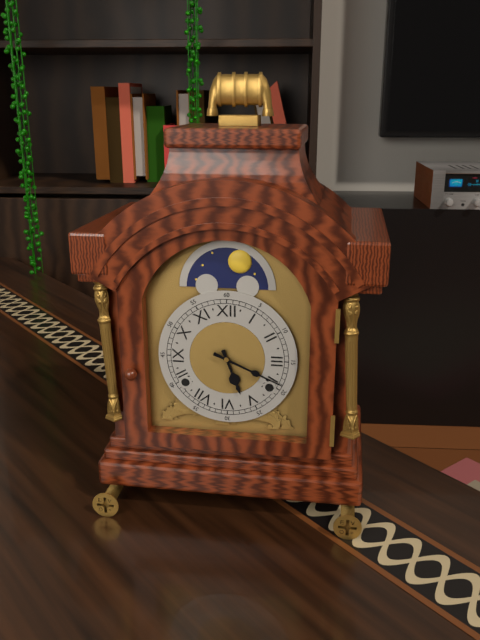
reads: 5,19
